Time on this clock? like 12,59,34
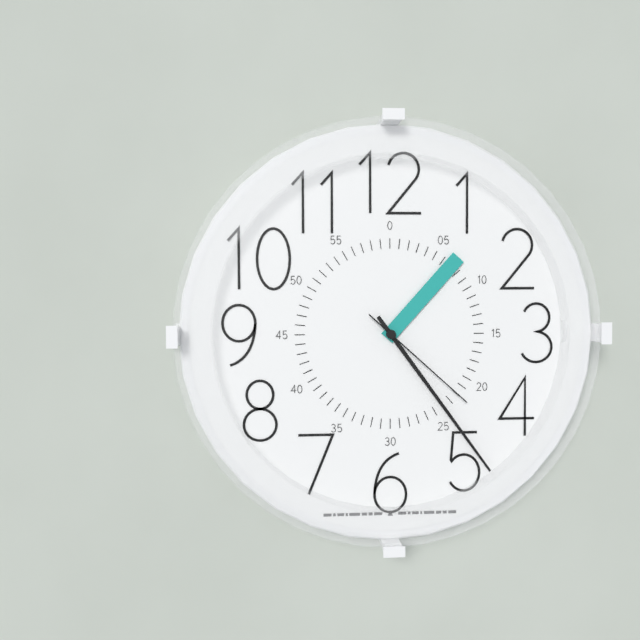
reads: 1,24,22
